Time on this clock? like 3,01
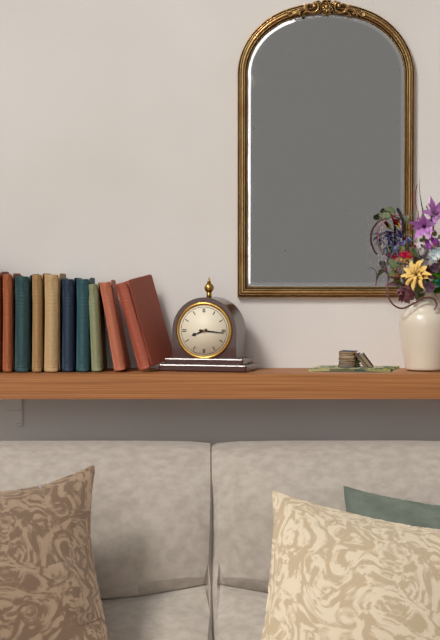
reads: 8,16
